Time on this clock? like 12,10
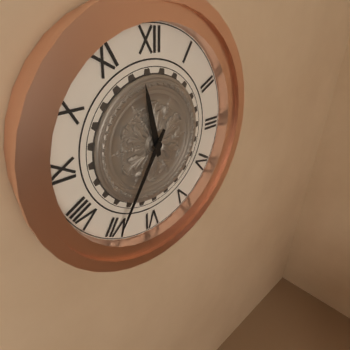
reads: 11,35
